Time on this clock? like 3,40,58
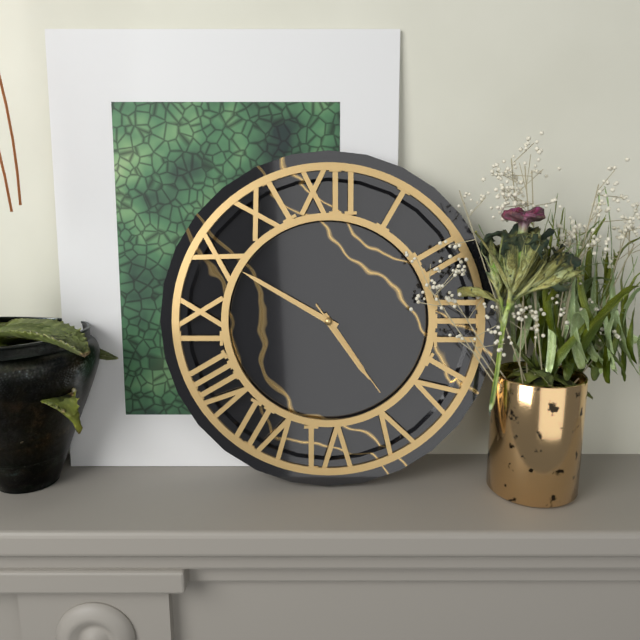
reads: 4,50,24
